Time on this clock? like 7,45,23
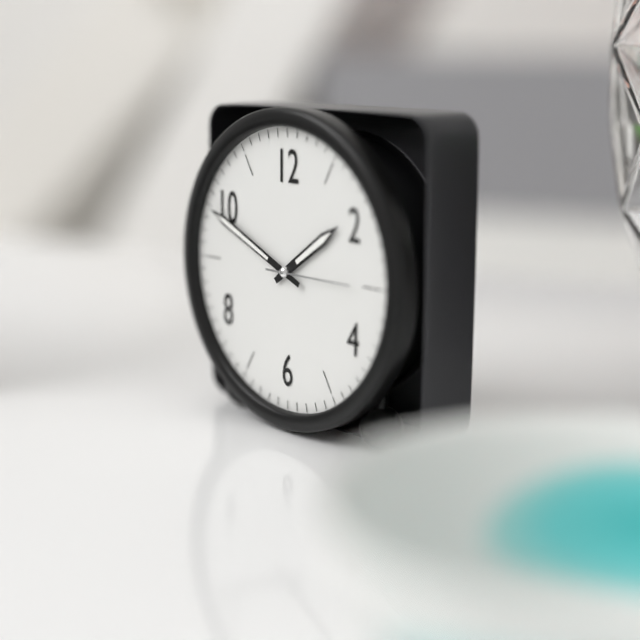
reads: 1,49,15
